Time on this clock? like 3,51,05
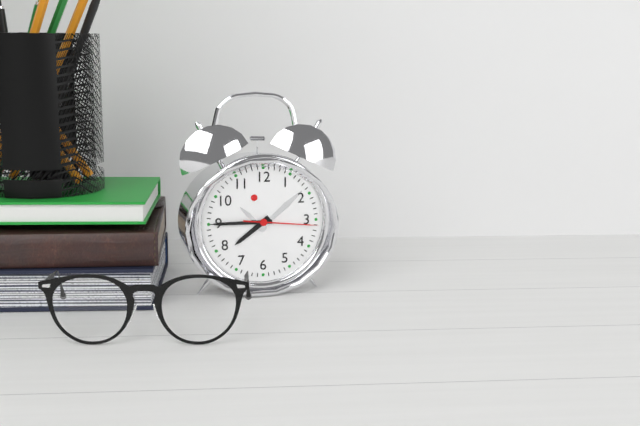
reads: 7,45,16
